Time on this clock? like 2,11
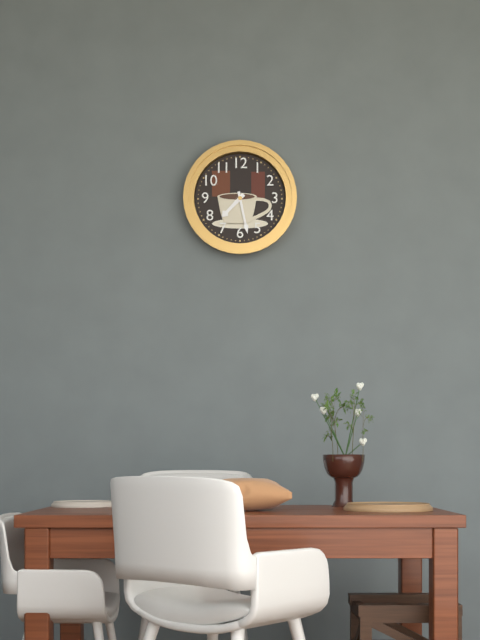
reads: 7,28
